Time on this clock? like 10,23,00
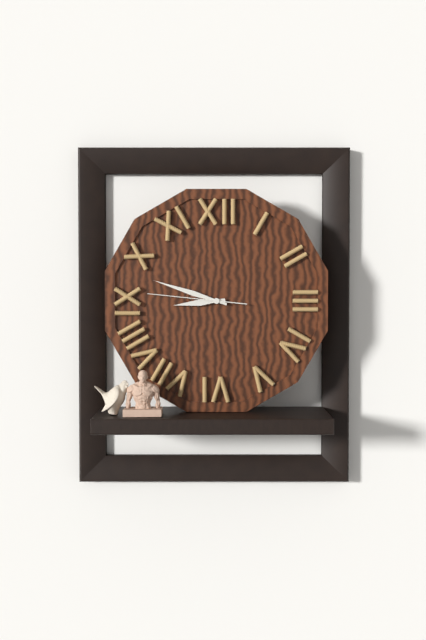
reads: 8,48,46
